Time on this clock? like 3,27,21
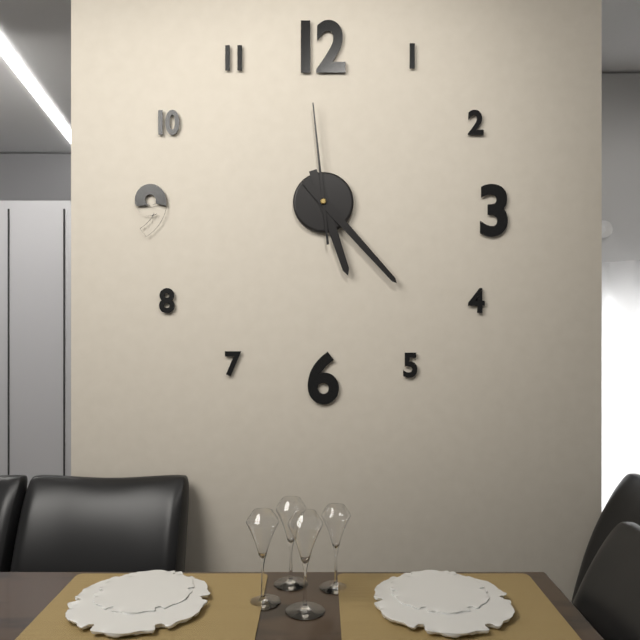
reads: 5,23,59
